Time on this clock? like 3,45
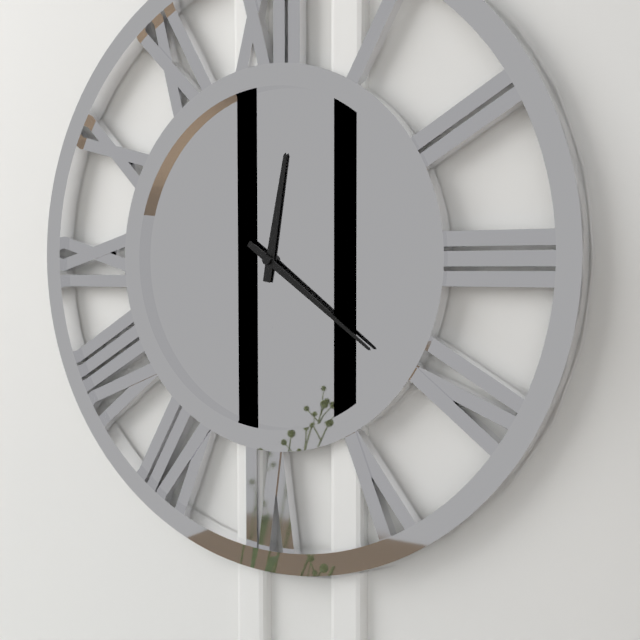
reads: 12,21
